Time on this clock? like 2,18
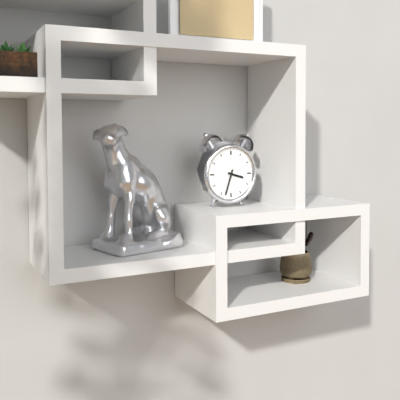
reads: 3,33
